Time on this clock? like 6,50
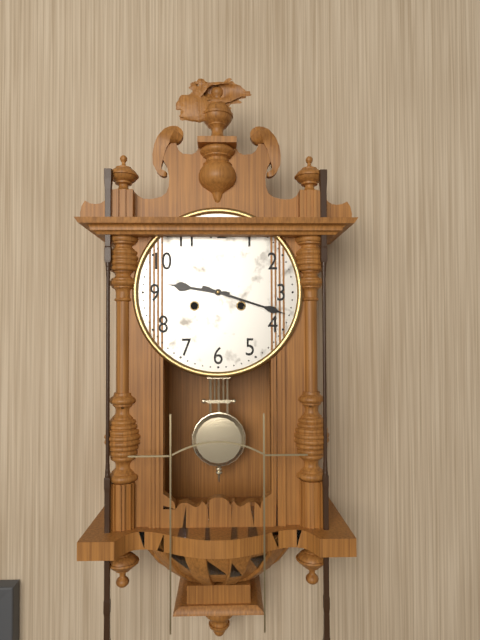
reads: 9,18
